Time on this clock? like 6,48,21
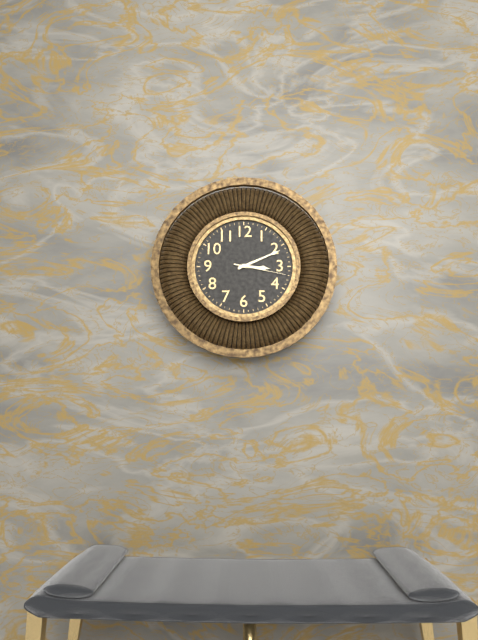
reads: 3,11,17
